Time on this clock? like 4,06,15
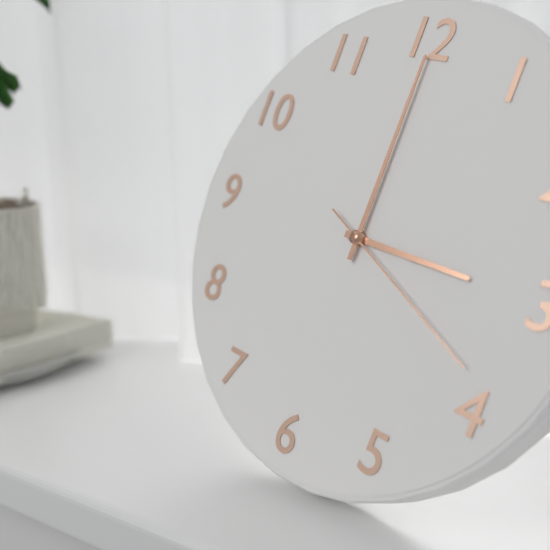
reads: 3,00,19
